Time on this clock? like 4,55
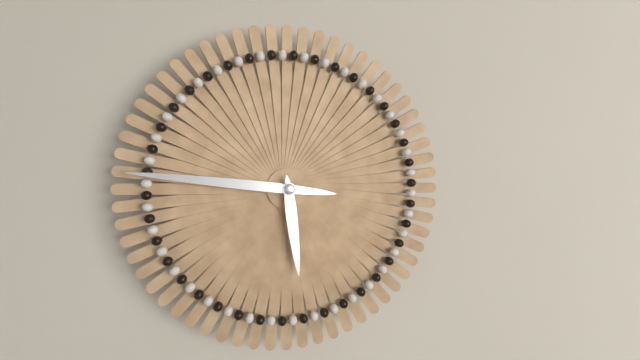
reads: 5,46
